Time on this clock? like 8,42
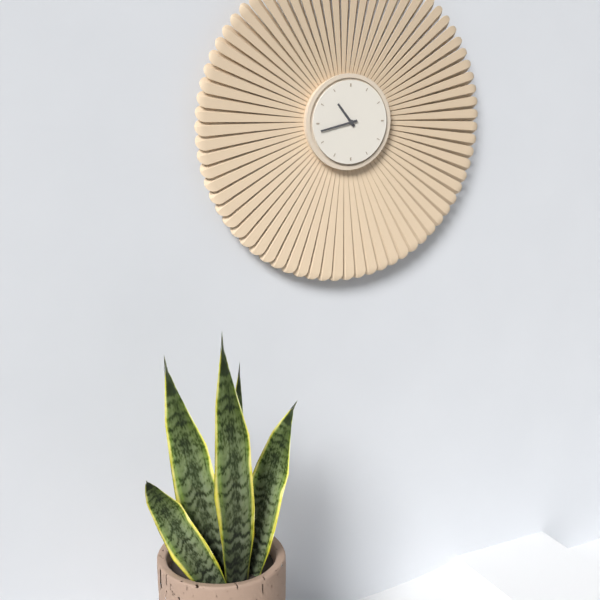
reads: 10,43
